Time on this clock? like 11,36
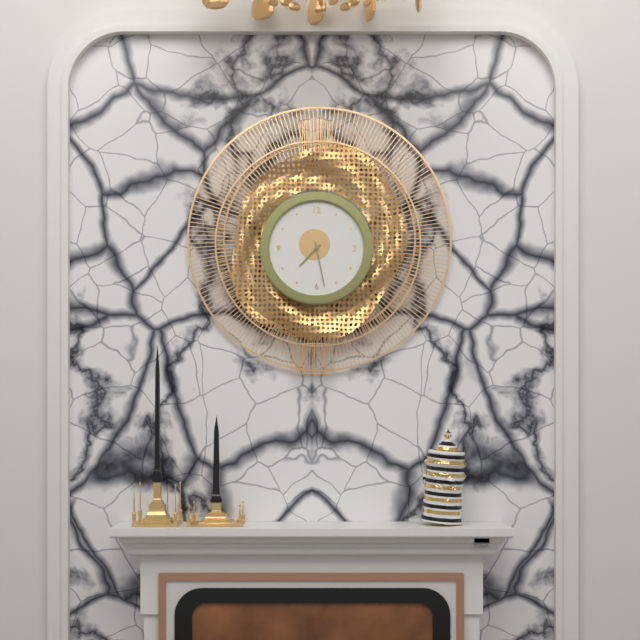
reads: 7,28
